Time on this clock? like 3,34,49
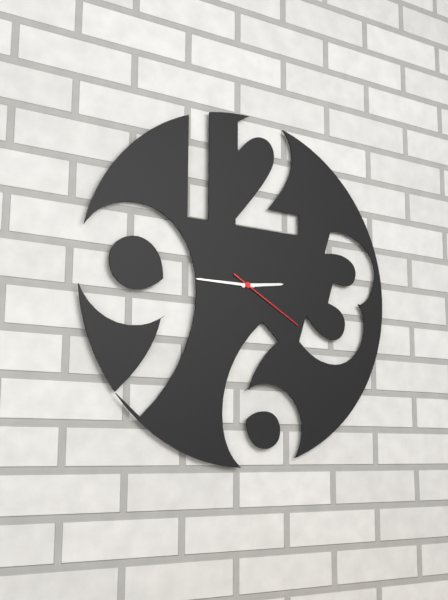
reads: 2,45,20
